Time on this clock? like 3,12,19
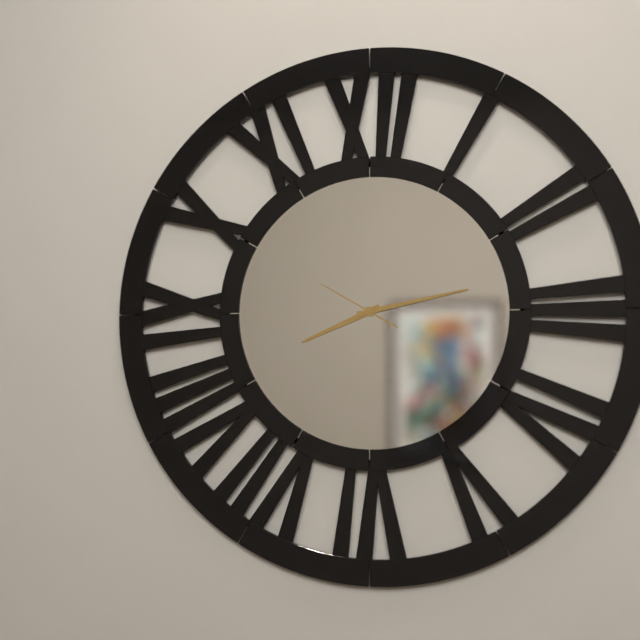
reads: 8,13,50
